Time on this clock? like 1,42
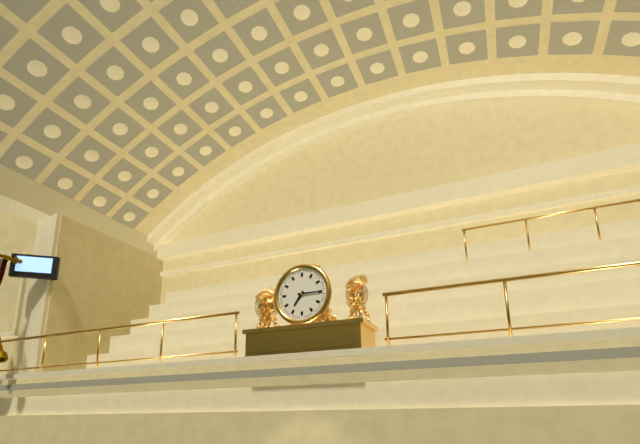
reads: 7,15
